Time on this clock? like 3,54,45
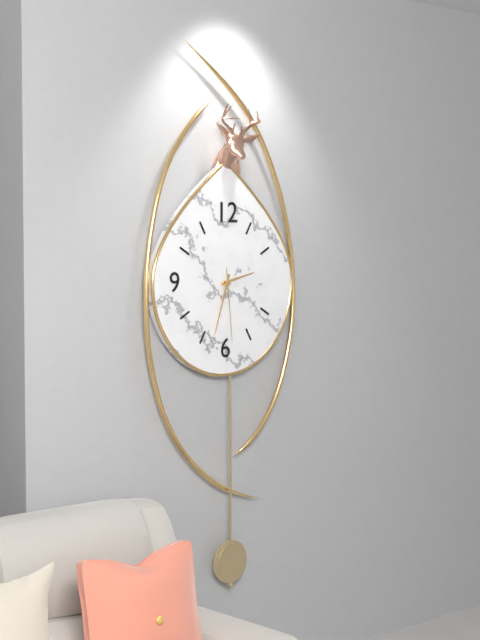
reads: 2,33,29
